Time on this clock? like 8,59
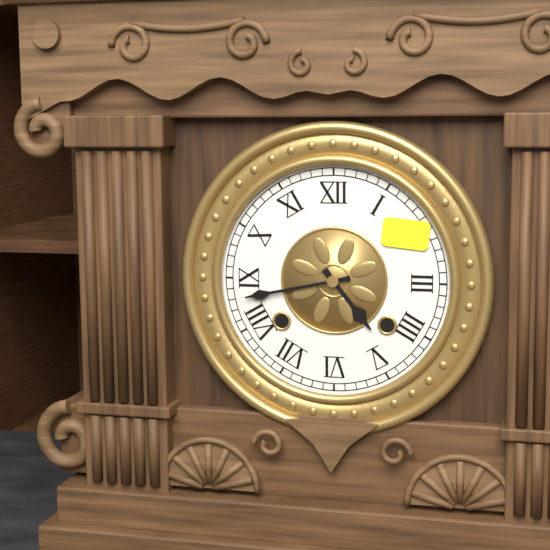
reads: 4,43
